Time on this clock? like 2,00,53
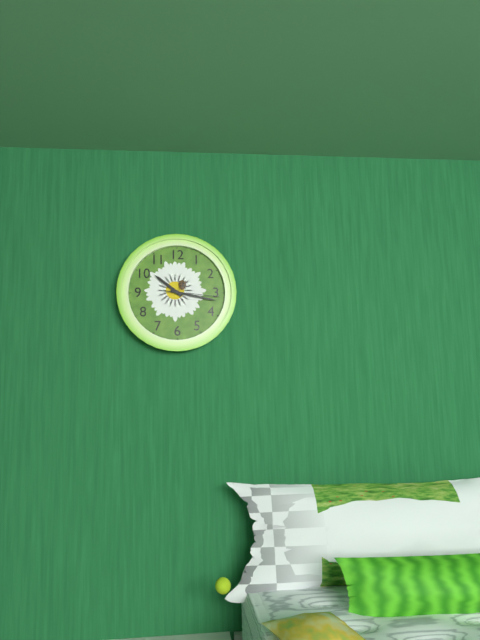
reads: 10,17,16
